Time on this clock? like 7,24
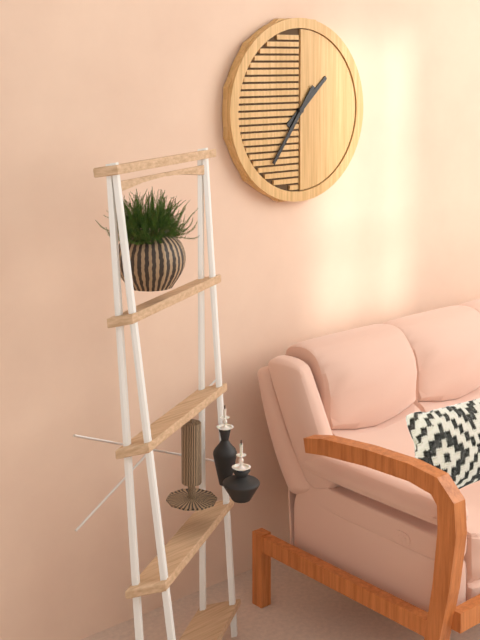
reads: 1,36
